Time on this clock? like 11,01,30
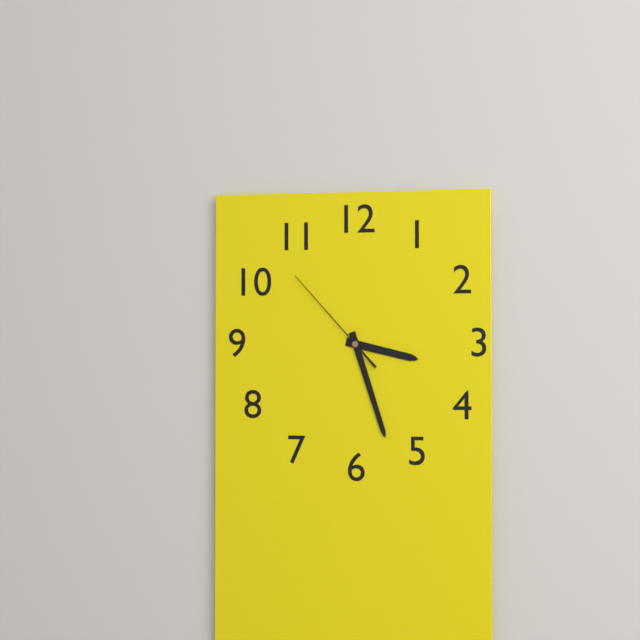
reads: 3,27,53
